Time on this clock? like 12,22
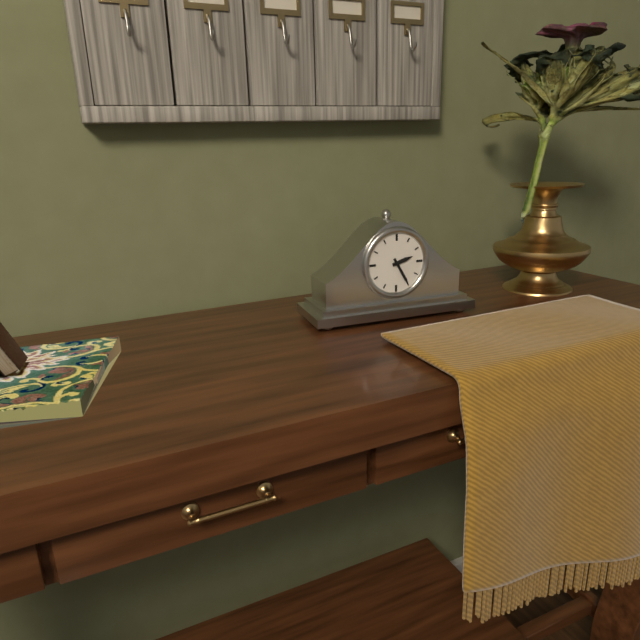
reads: 2,25
